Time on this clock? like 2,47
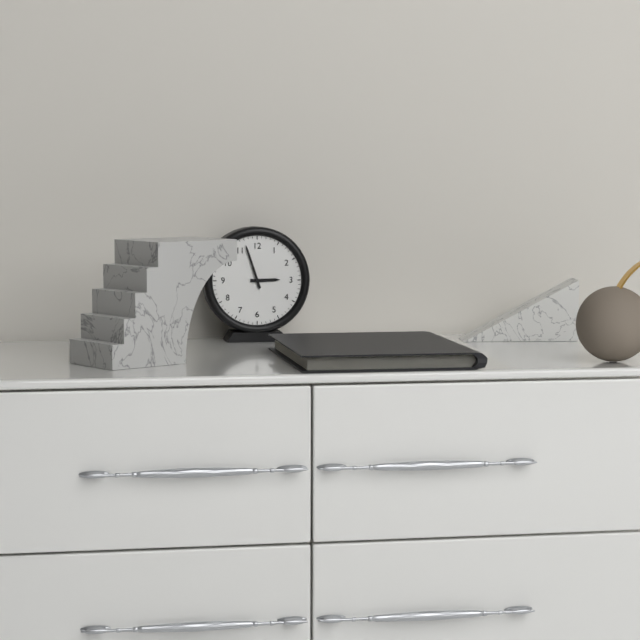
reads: 2,57
